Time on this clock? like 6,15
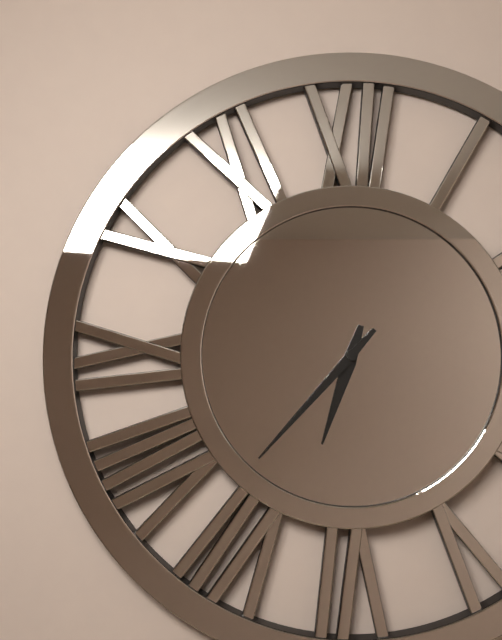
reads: 6,37
